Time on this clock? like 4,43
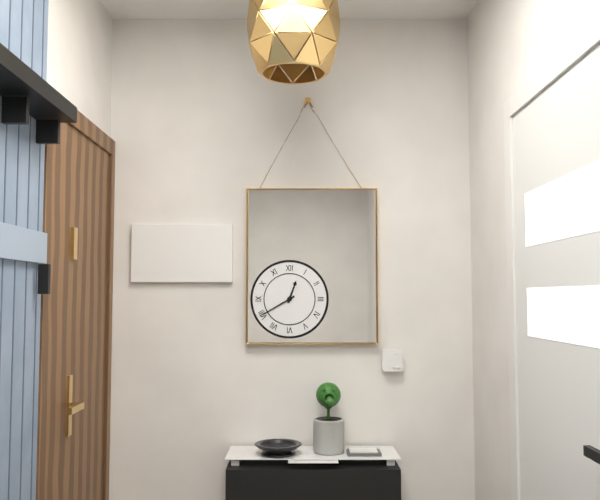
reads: 12,40
